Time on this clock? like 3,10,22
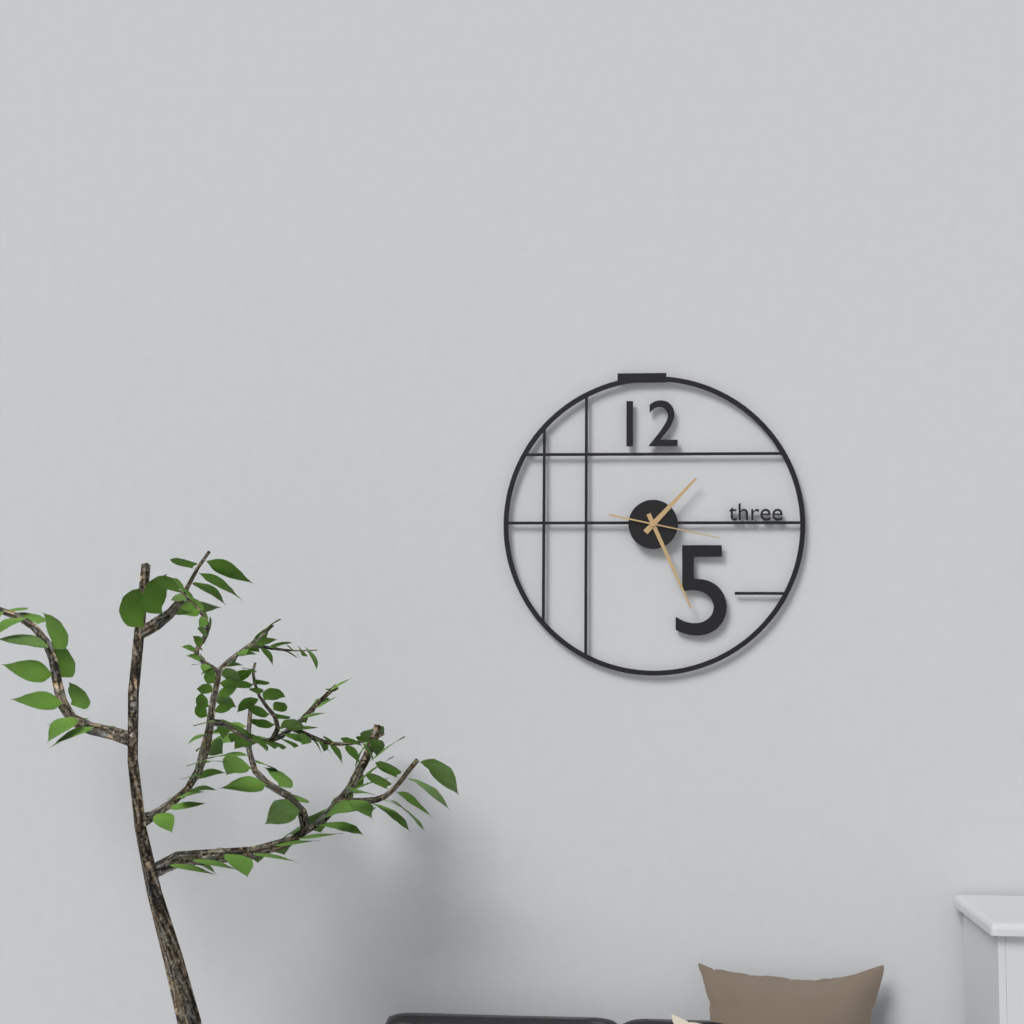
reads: 1,26,17
